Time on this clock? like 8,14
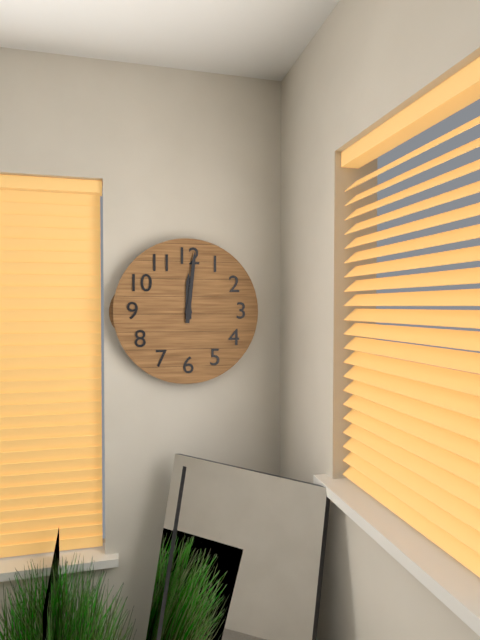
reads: 12,01
